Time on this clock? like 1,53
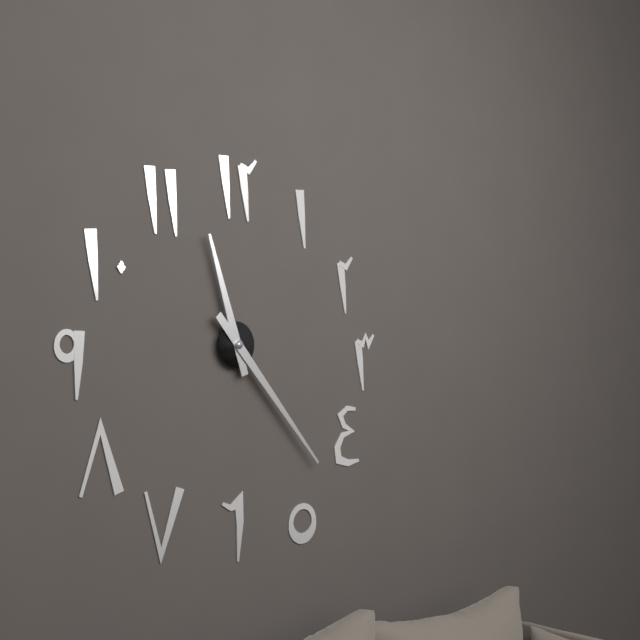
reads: 11,23
